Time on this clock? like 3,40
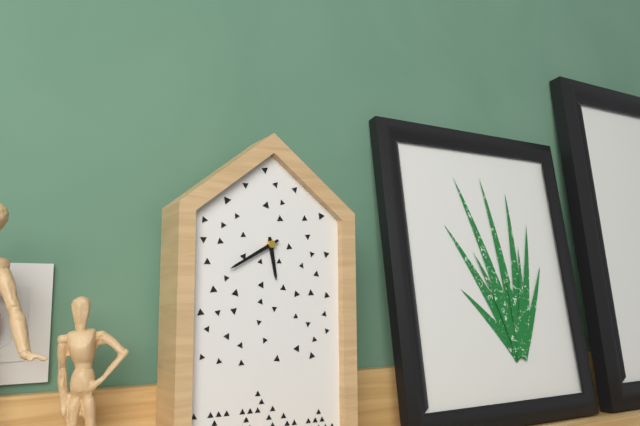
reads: 5,40
